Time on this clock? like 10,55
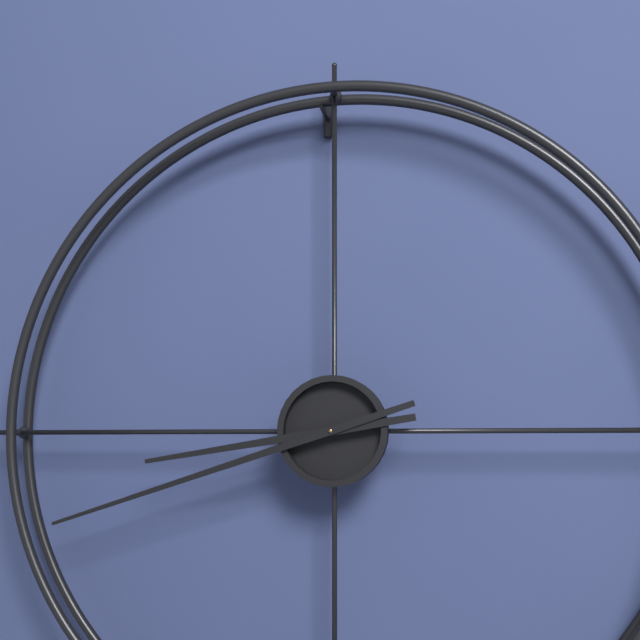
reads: 8,42
